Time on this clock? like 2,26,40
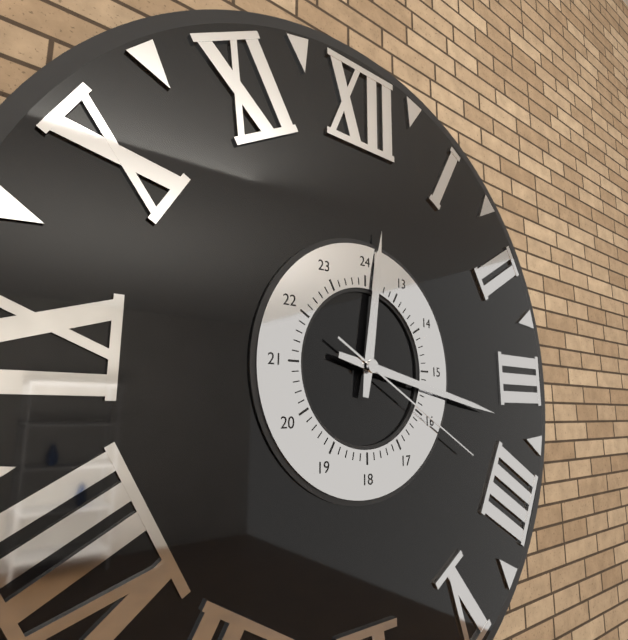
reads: 12,17,20
